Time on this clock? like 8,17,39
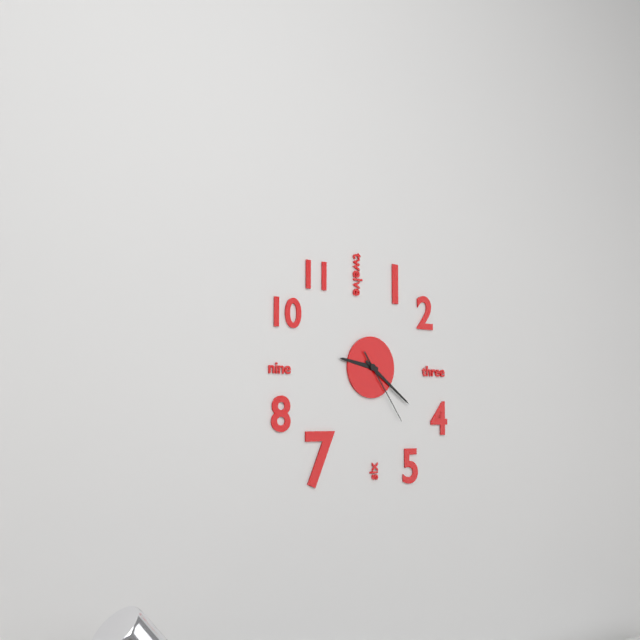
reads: 9,21,24
